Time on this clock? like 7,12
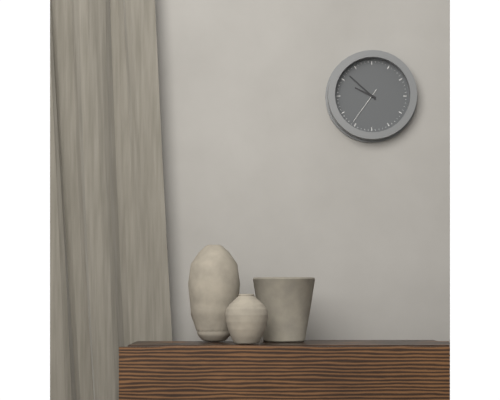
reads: 9,52
